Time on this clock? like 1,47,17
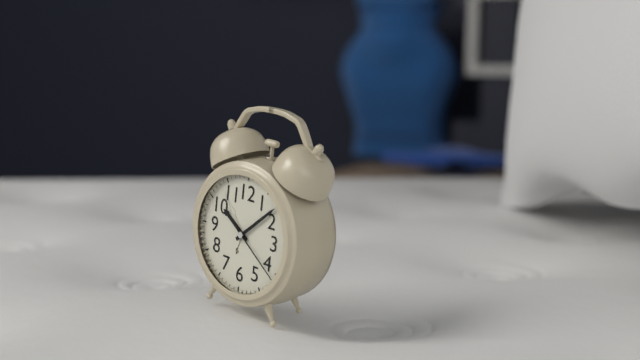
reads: 10,08,21
